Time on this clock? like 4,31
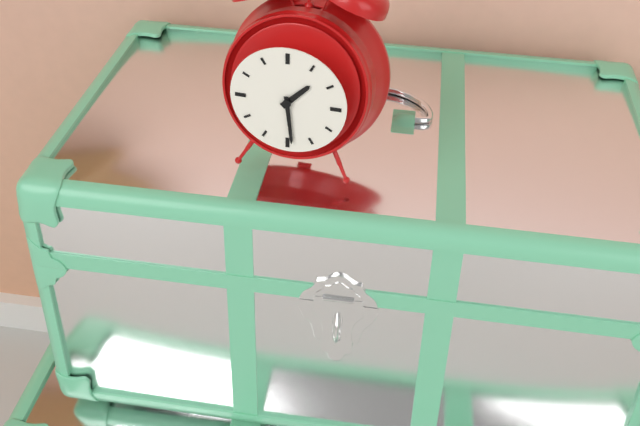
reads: 1,29
